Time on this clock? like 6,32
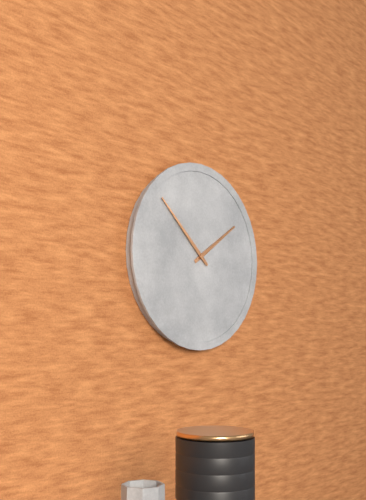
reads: 1,52
